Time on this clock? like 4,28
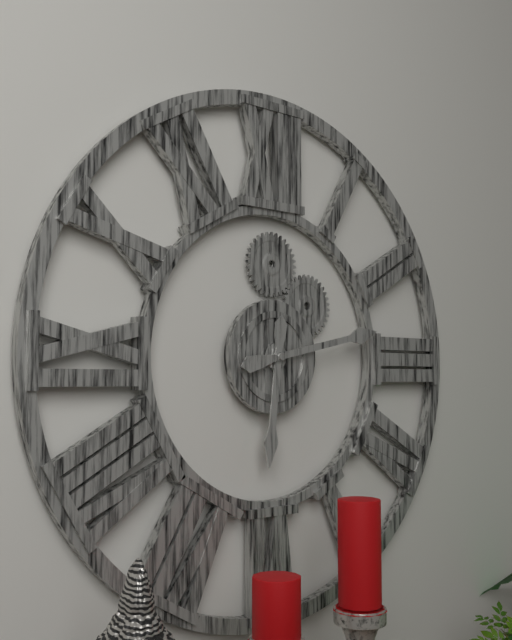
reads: 6,13
